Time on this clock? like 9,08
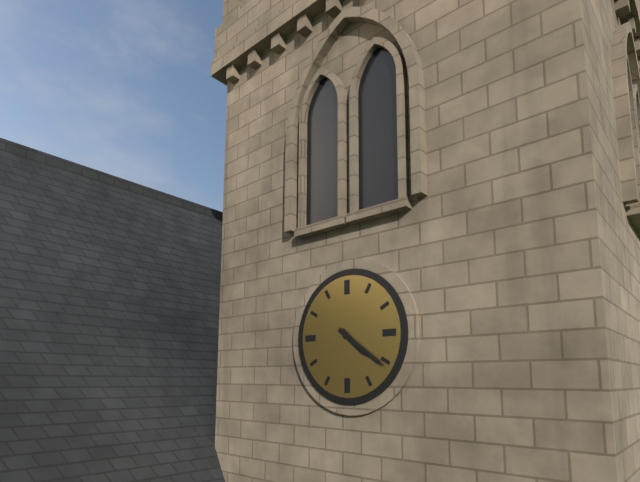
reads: 4,21
